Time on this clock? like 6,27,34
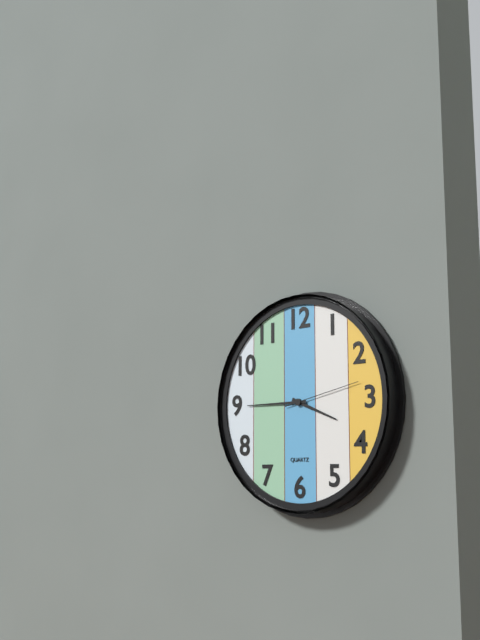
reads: 3,45,13
